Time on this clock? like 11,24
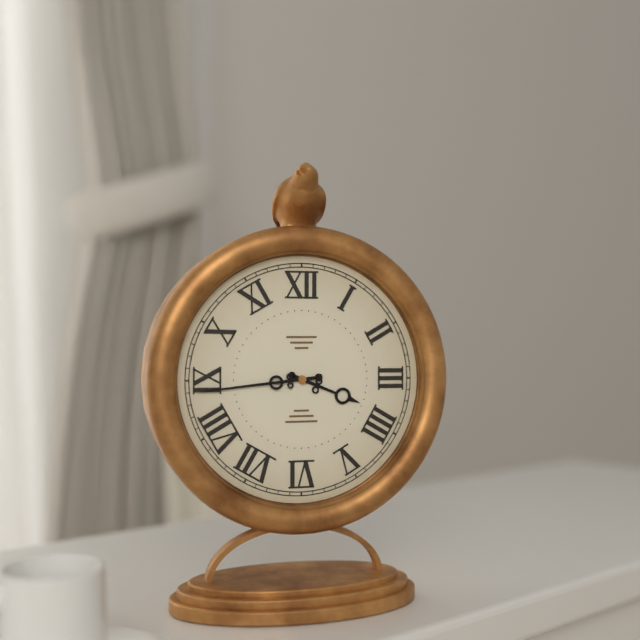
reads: 3,44
